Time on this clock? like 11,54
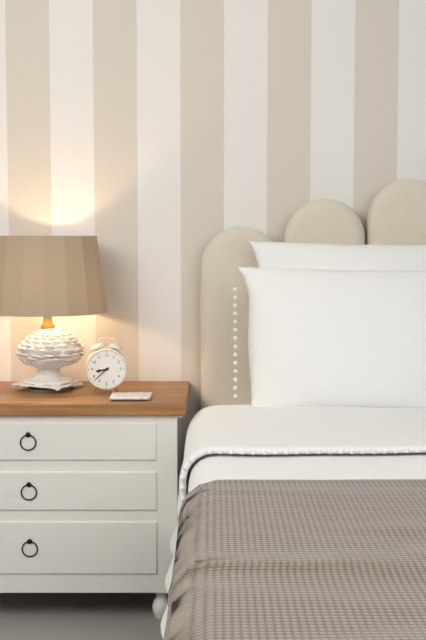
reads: 8,38
